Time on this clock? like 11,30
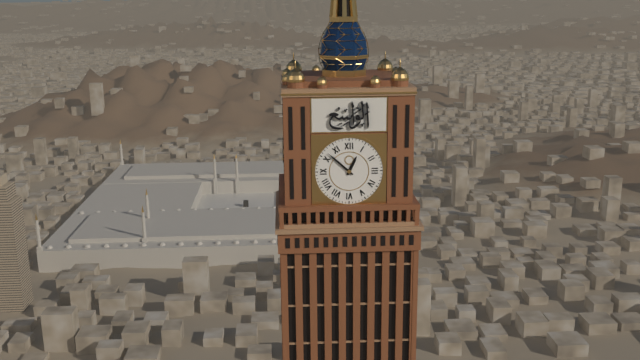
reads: 12,52
